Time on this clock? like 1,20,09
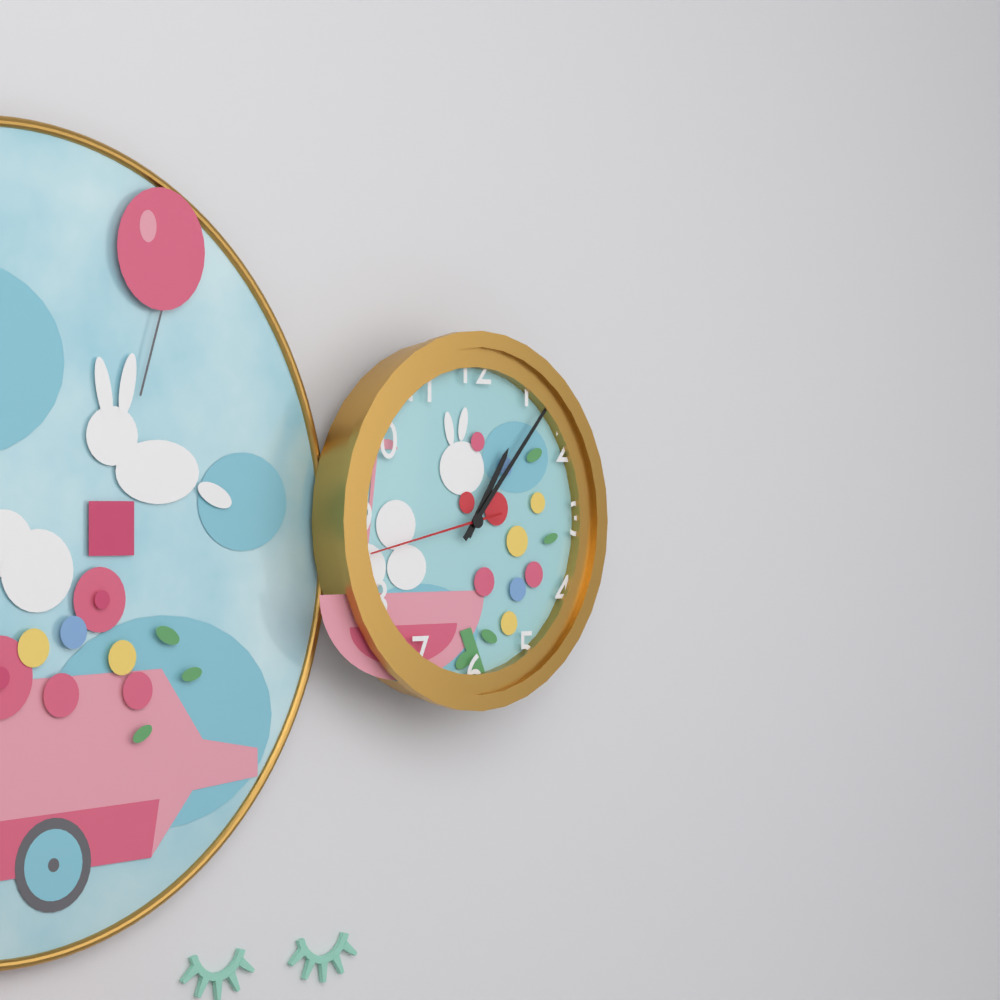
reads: 1,07,43
